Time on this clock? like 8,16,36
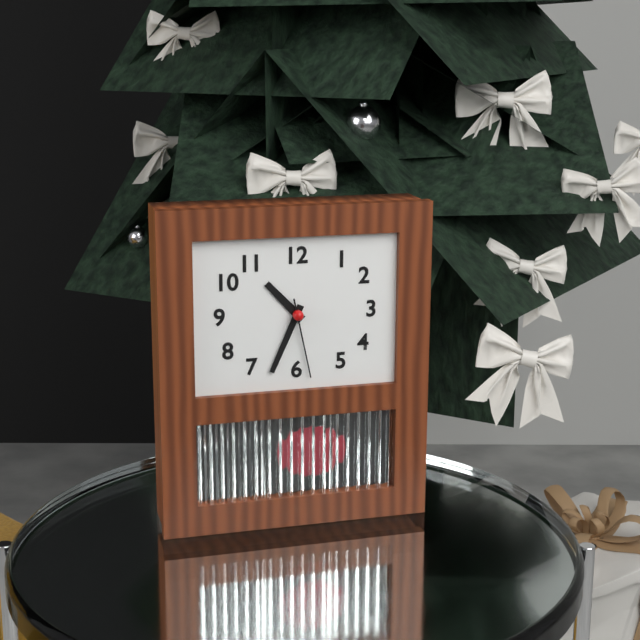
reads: 10,34,28
